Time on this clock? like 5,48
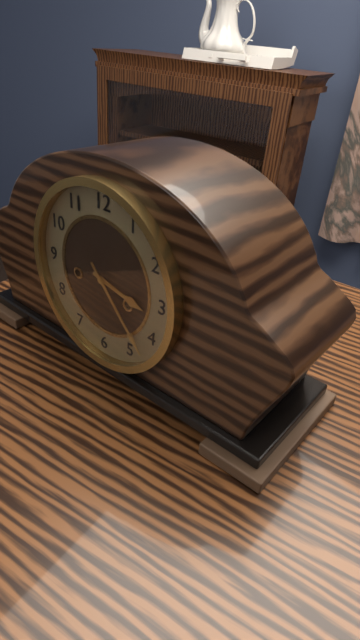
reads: 3,23
